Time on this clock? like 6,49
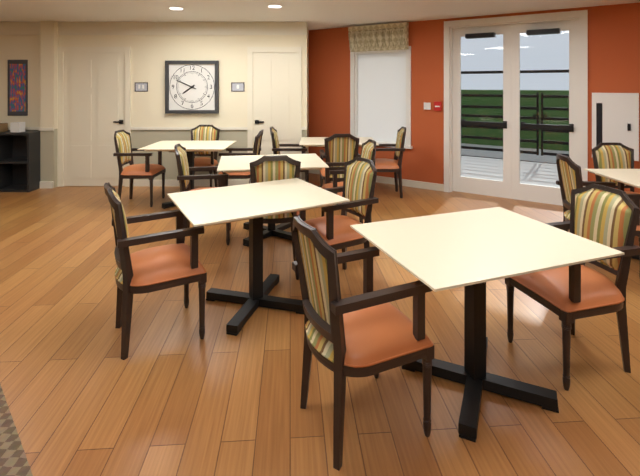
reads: 7,49
